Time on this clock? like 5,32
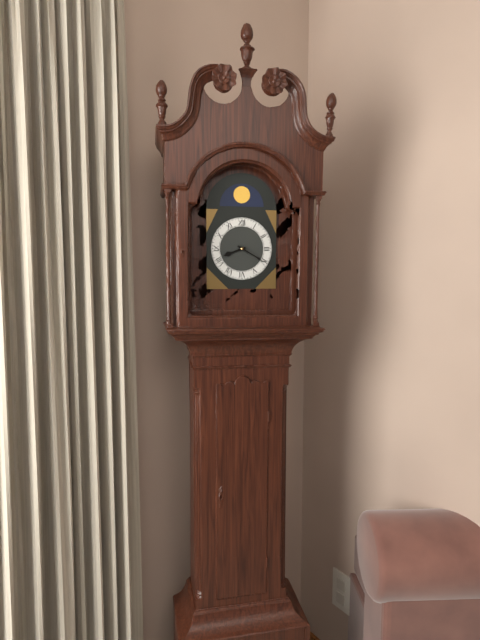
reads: 8,20
